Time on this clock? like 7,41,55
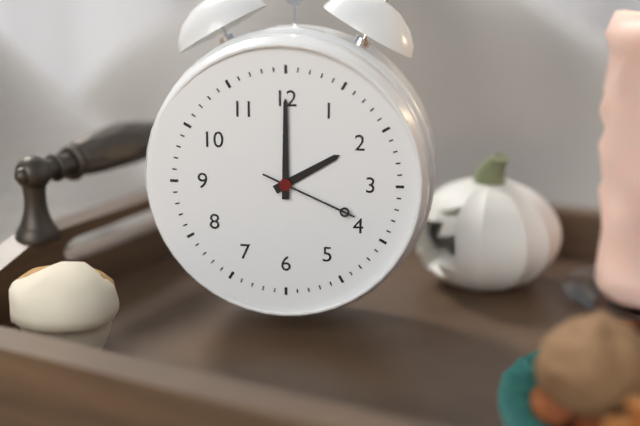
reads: 2,00,19
